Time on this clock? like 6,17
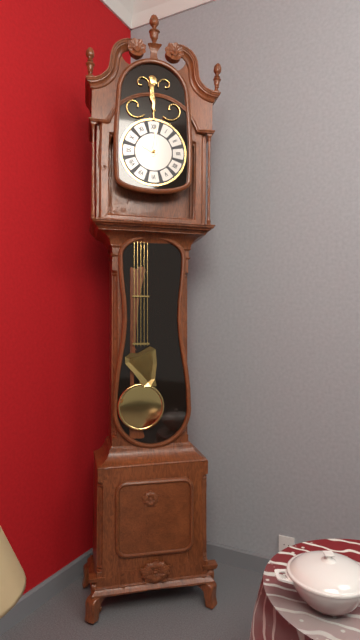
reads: 10,01
